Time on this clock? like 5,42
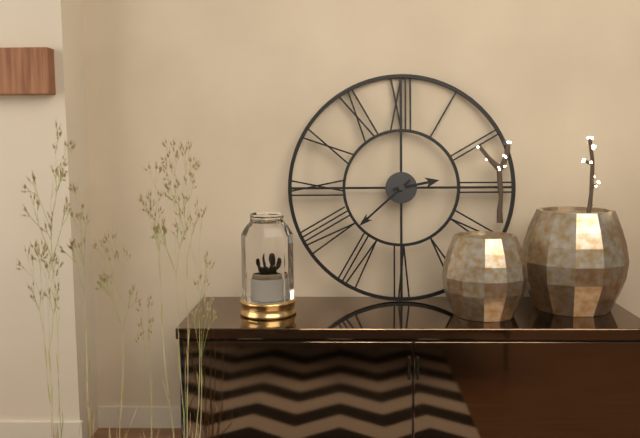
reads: 2,38
